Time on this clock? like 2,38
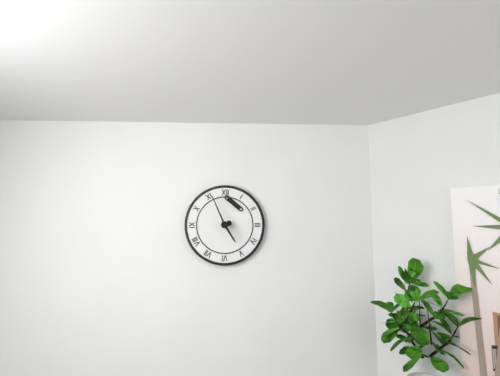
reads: 4,56
